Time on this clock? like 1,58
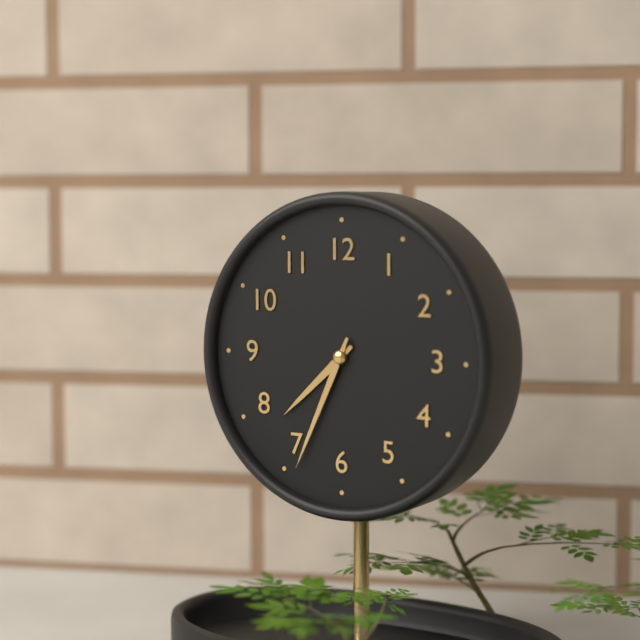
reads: 7,34
